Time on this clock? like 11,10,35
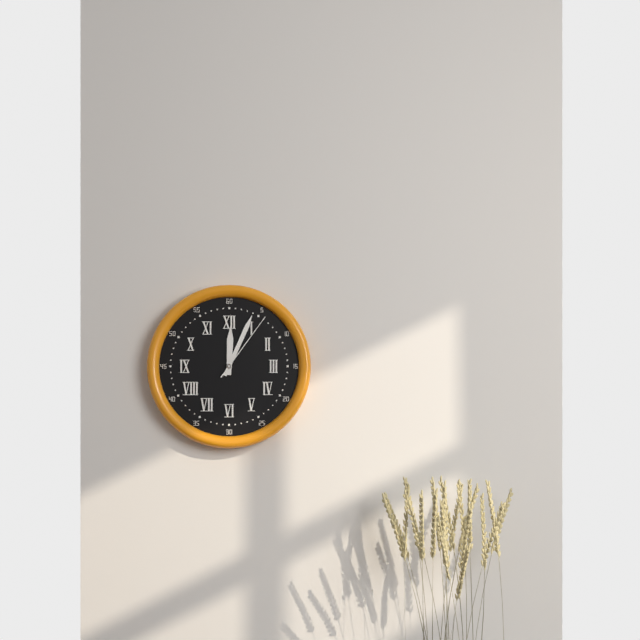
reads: 12,04,06
